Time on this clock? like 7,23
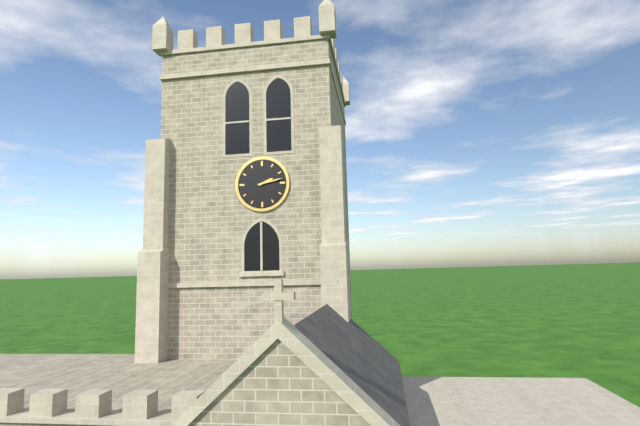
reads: 2,13
